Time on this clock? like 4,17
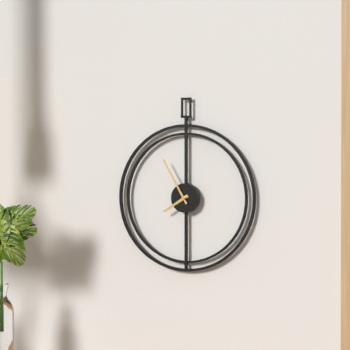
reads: 7,55
